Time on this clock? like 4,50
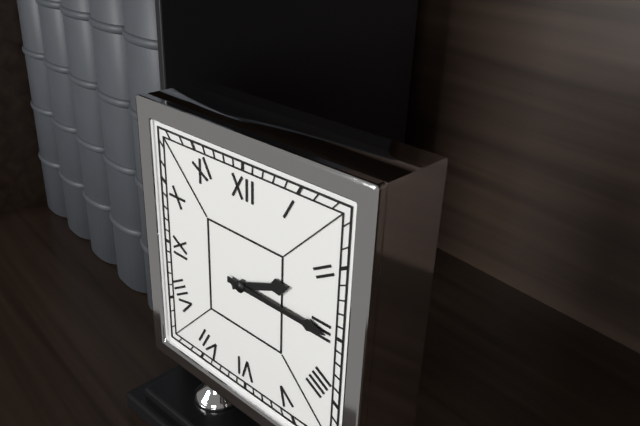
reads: 2,15
